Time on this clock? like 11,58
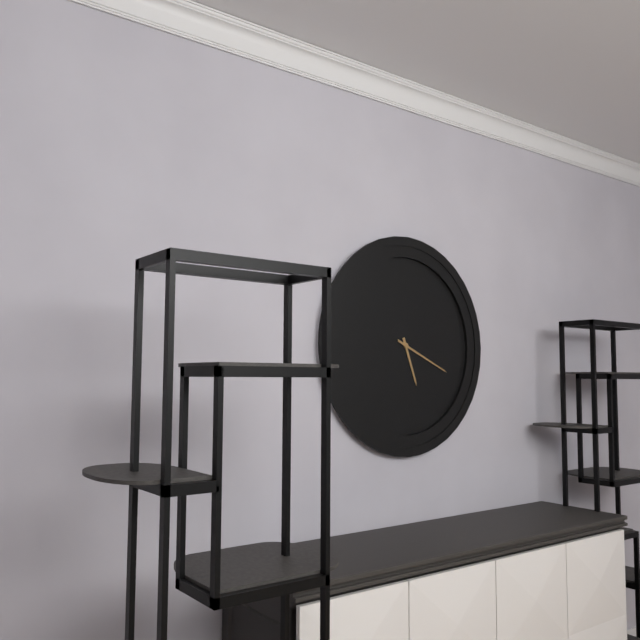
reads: 5,19
